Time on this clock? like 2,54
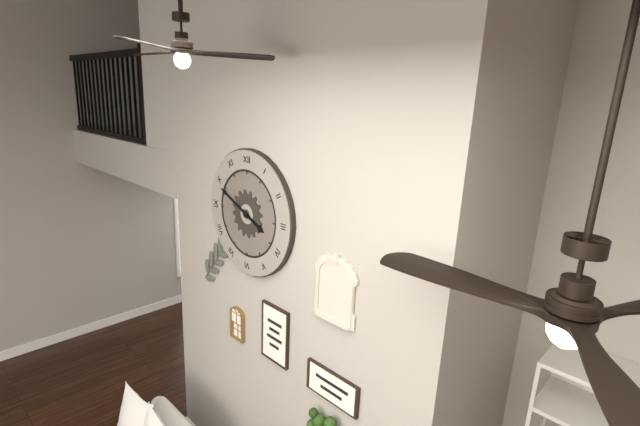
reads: 3,49
